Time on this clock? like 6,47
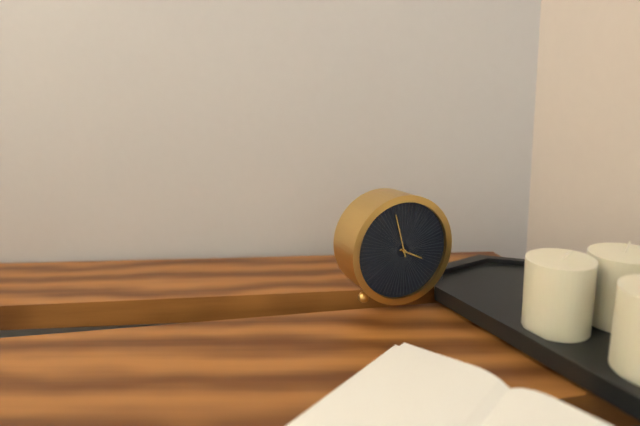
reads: 3,58
